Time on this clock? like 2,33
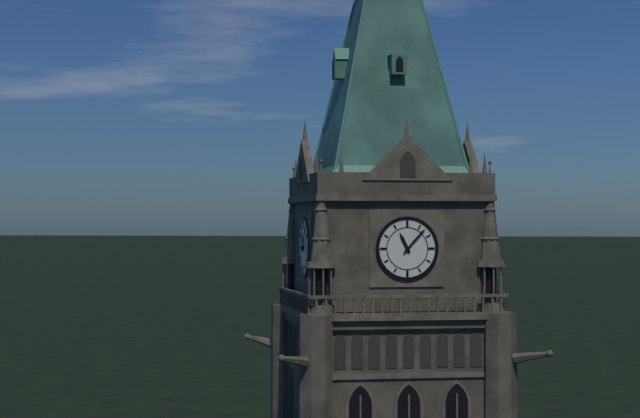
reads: 11,07
